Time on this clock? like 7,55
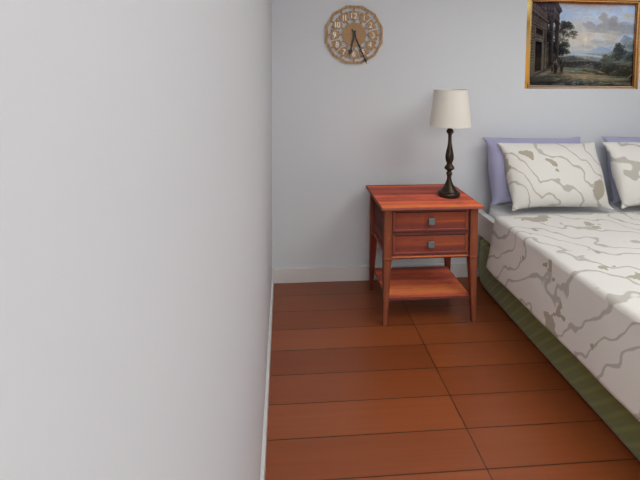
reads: 6,26
